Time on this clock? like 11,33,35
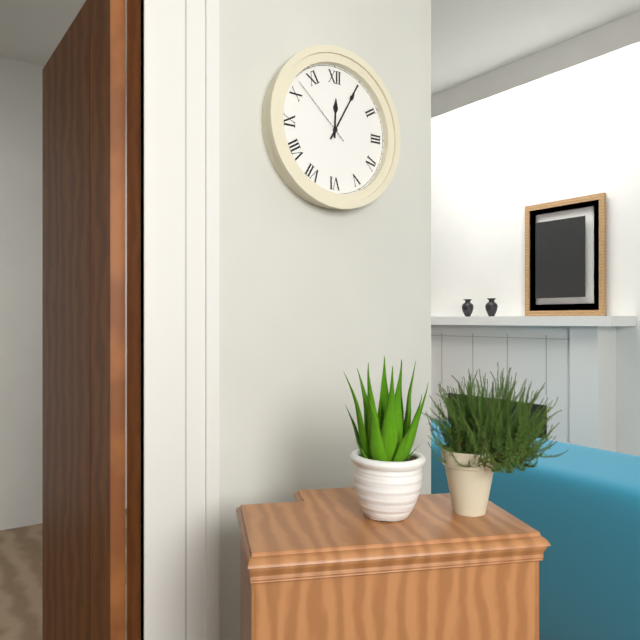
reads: 12,05,52
